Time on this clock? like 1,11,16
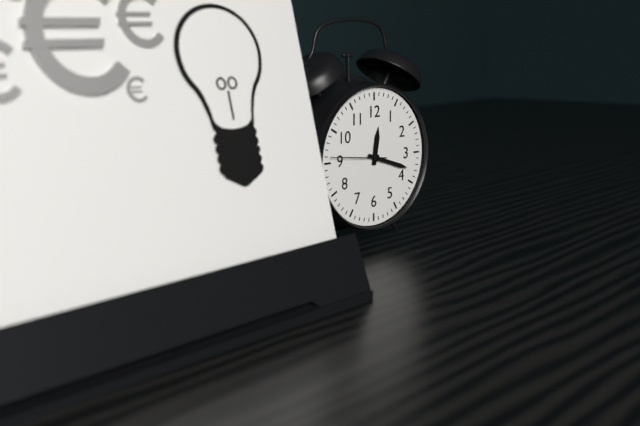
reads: 12,18,46
